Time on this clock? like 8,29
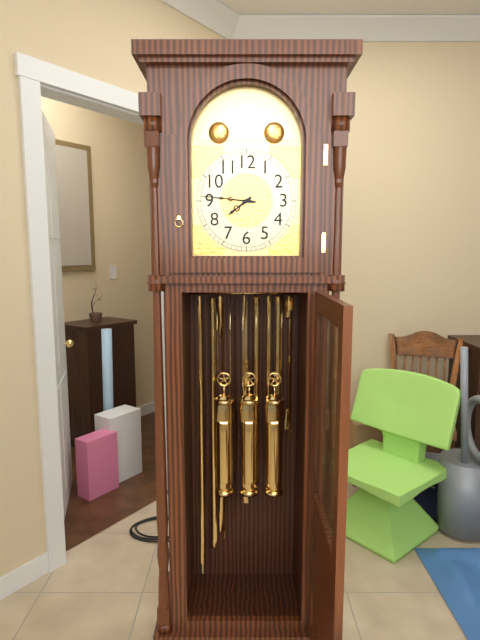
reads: 7,46
